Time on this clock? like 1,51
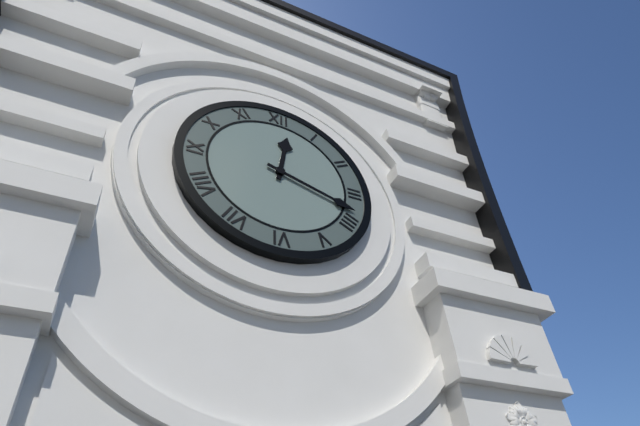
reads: 12,18
